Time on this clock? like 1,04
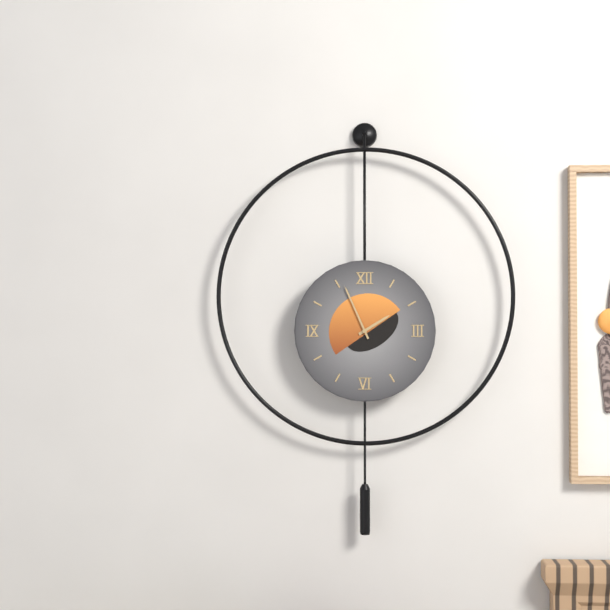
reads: 1,56
